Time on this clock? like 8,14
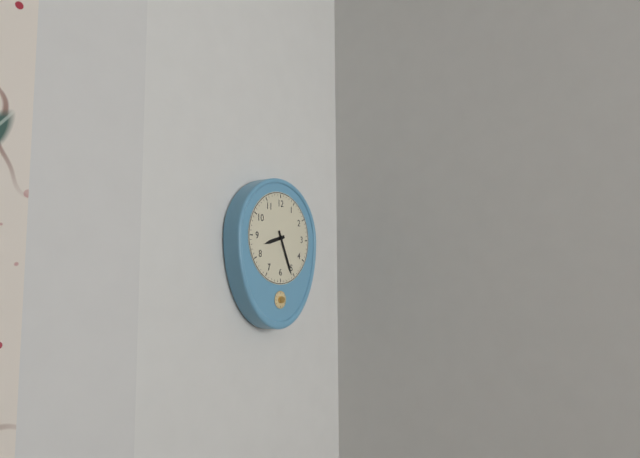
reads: 8,26
